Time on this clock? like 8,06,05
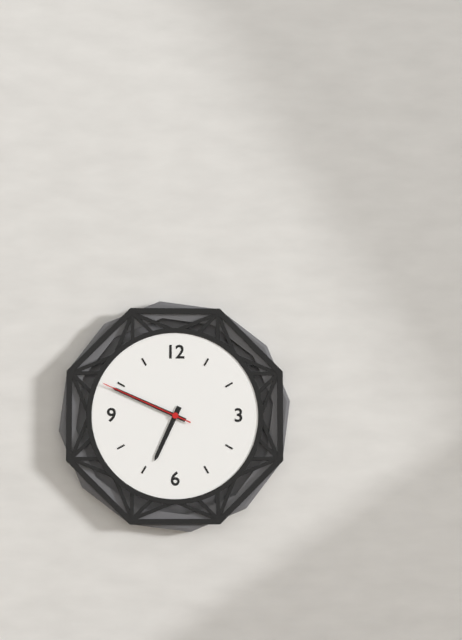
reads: 6,49,49
